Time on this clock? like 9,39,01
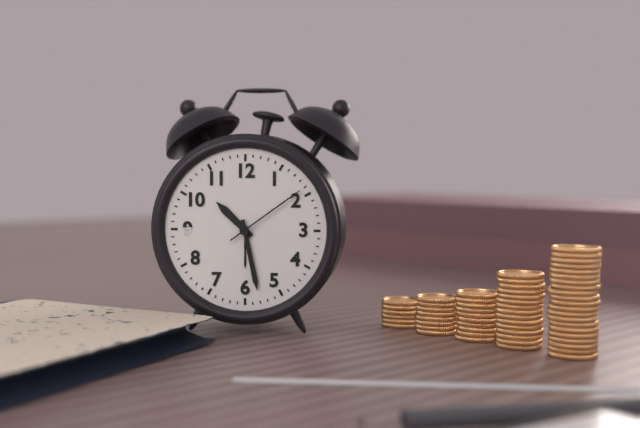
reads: 10,28,09
